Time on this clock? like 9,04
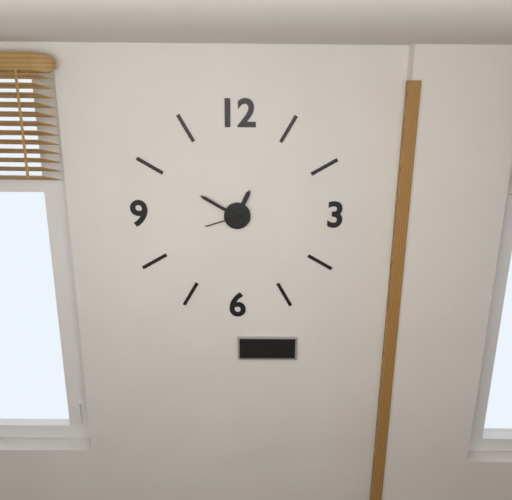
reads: 12,50
